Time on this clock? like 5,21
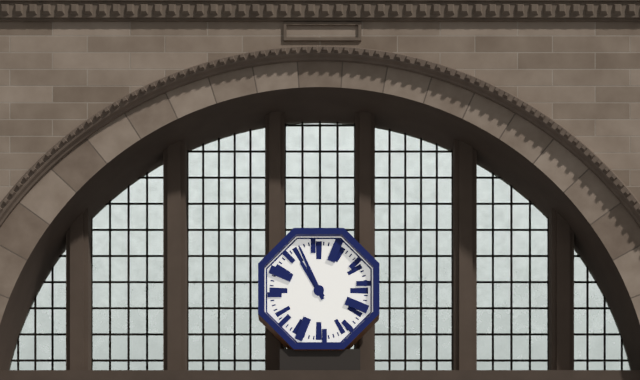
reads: 10,56
